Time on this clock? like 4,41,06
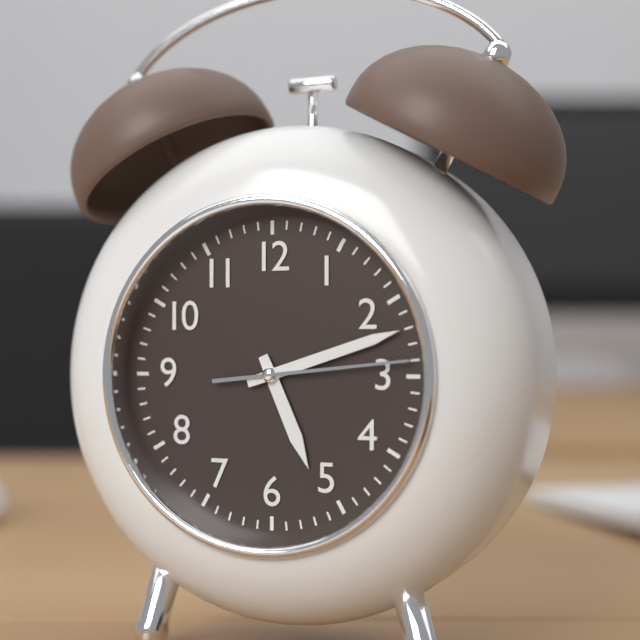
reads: 5,12,14
